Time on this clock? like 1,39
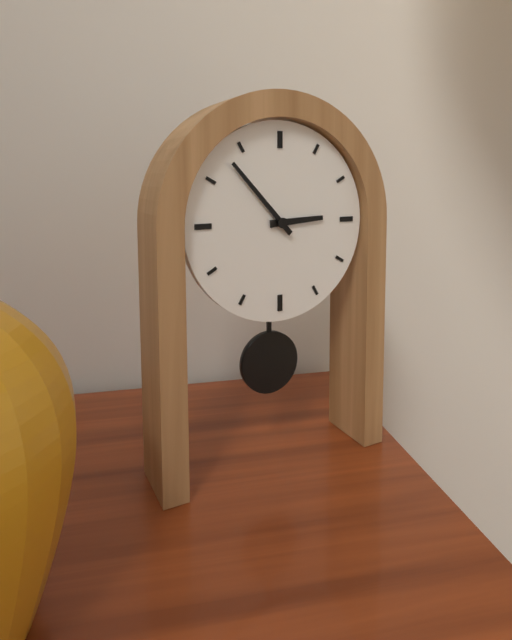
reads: 2,53
